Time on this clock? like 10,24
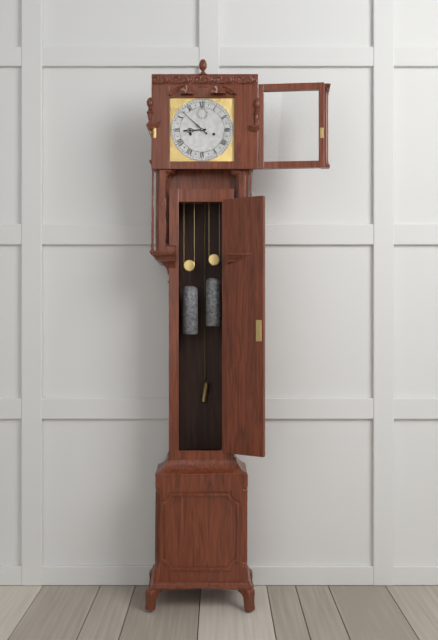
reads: 8,52
